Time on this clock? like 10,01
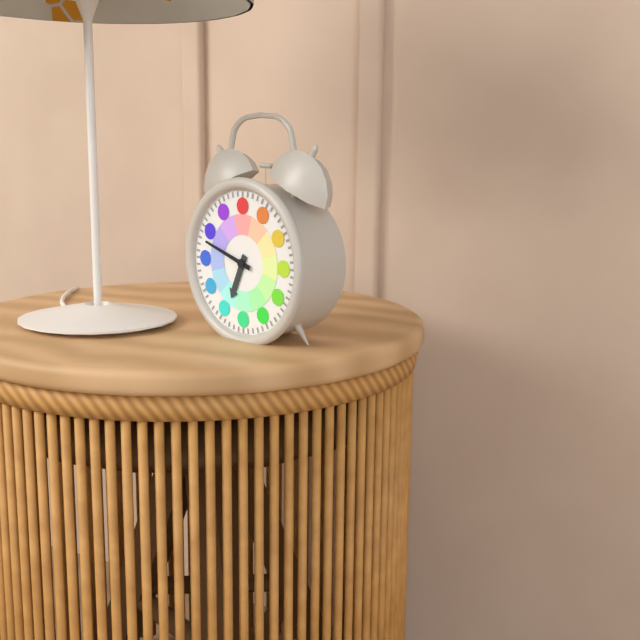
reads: 6,48
